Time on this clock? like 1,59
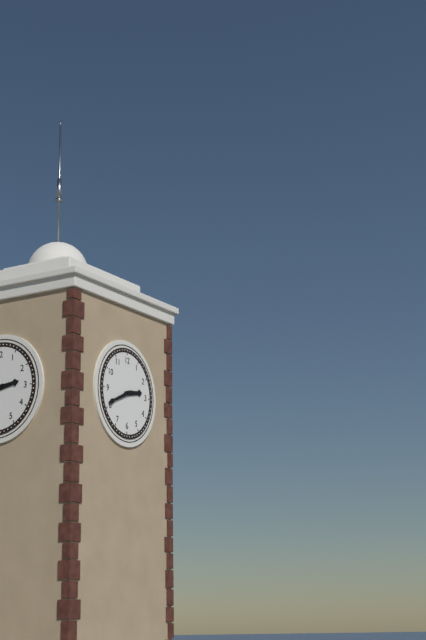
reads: 2,41
